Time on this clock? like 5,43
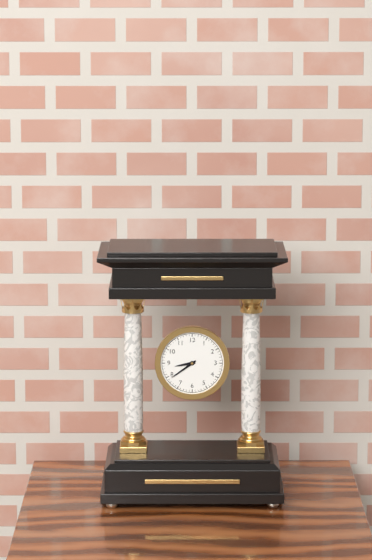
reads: 8,39
